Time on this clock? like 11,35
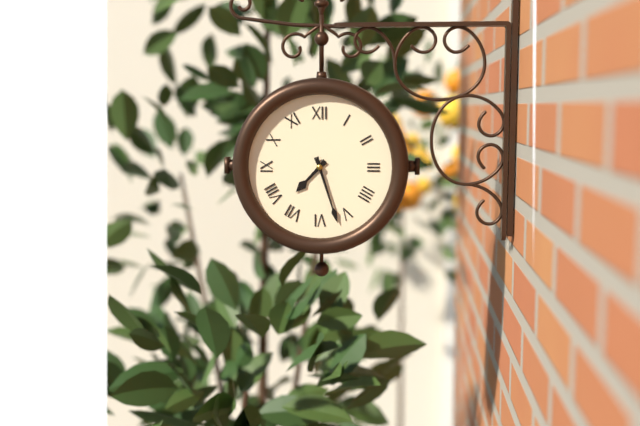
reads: 7,27
